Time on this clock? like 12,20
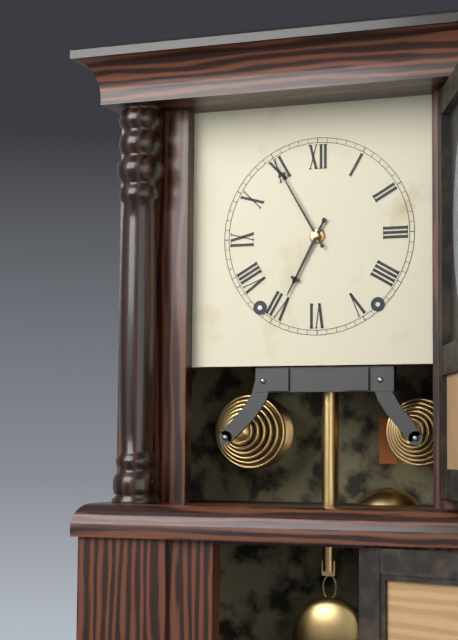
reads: 6,55
